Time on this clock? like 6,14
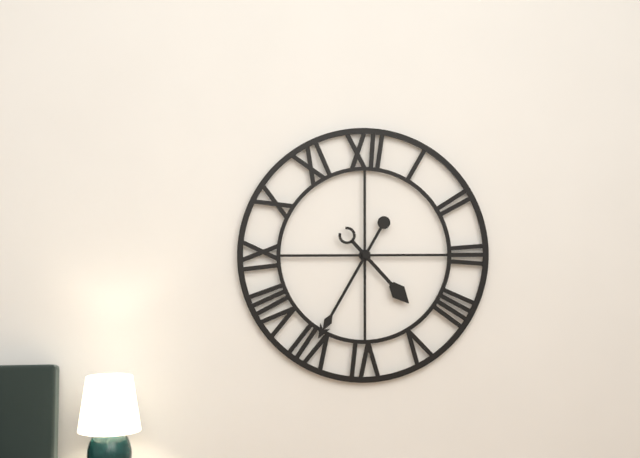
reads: 4,35
